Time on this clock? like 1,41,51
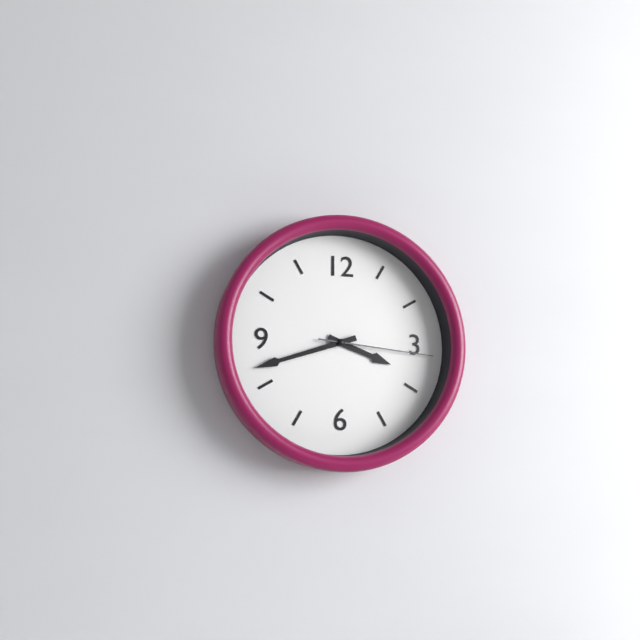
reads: 3,42,16
